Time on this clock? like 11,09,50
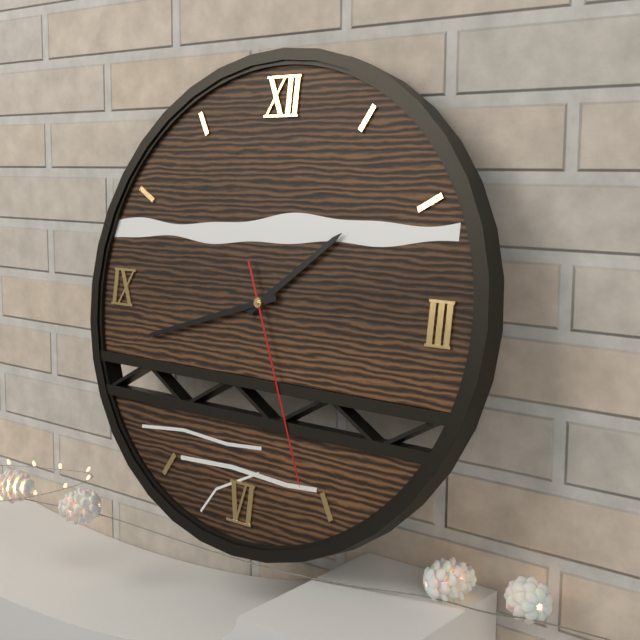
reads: 1,42,26
